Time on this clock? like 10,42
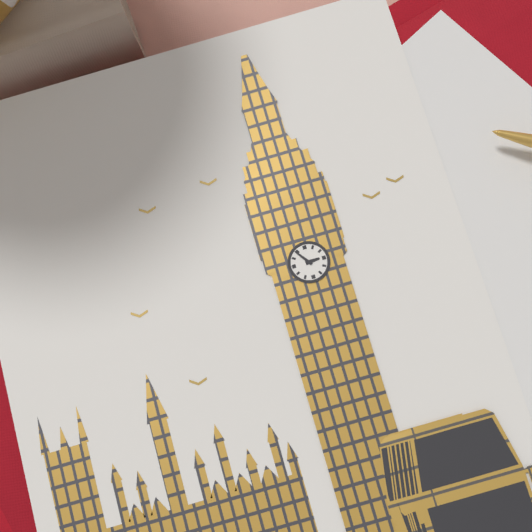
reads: 2,54
